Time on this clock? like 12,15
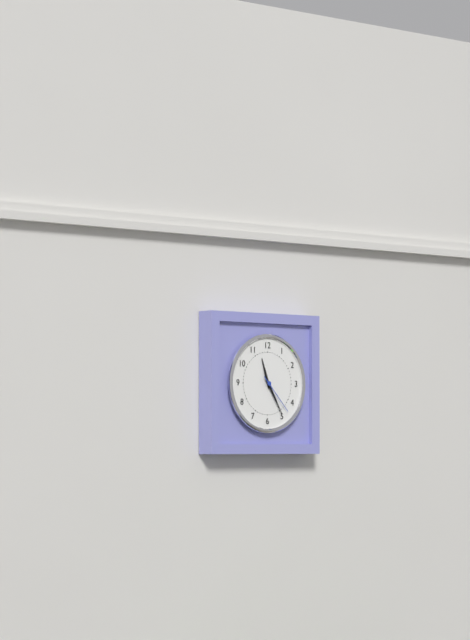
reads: 11,25
